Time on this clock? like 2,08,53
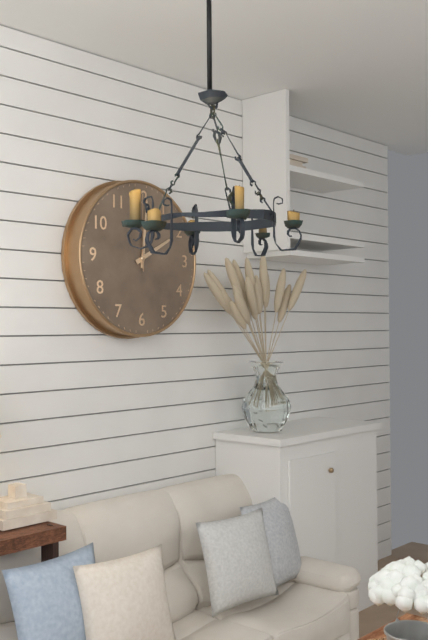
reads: 2,01,00
